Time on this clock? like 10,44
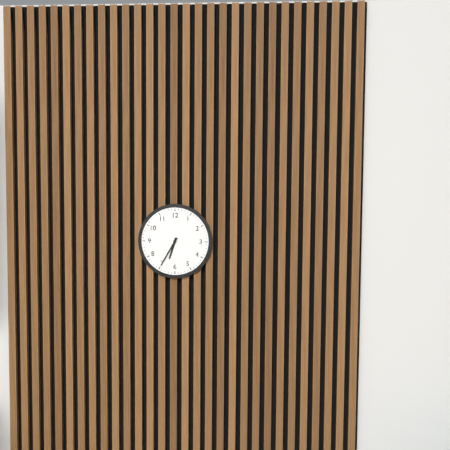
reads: 6,35
